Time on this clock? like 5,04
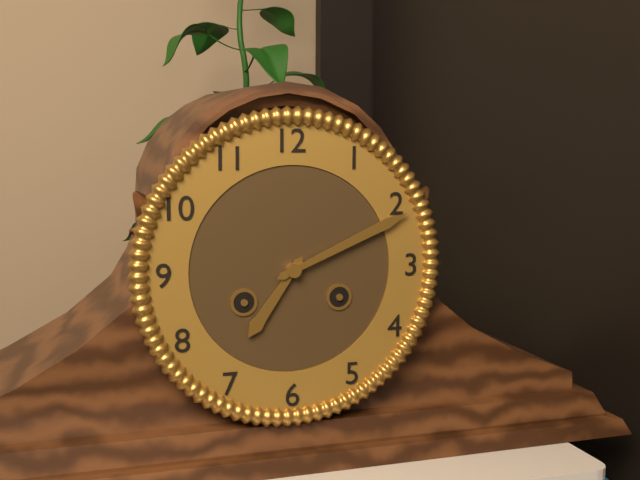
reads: 7,11
